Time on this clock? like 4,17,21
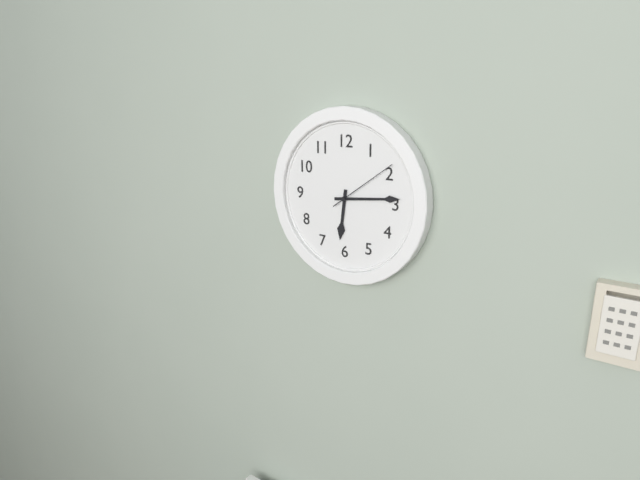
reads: 6,14,09
